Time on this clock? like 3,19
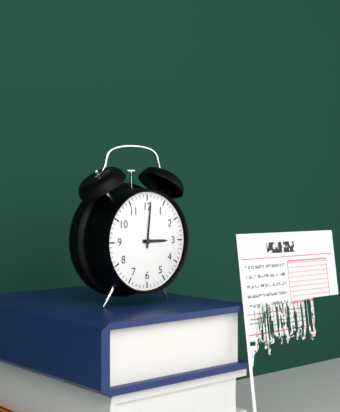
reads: 3,01
